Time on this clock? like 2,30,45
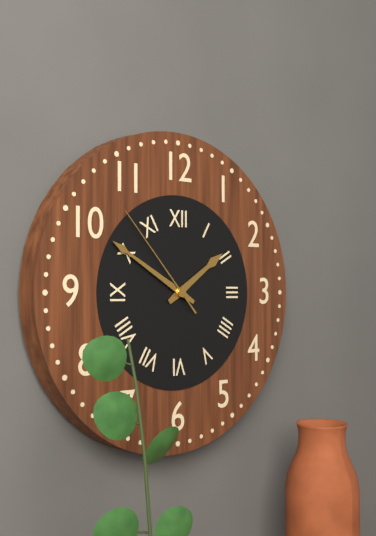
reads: 1,50,53
